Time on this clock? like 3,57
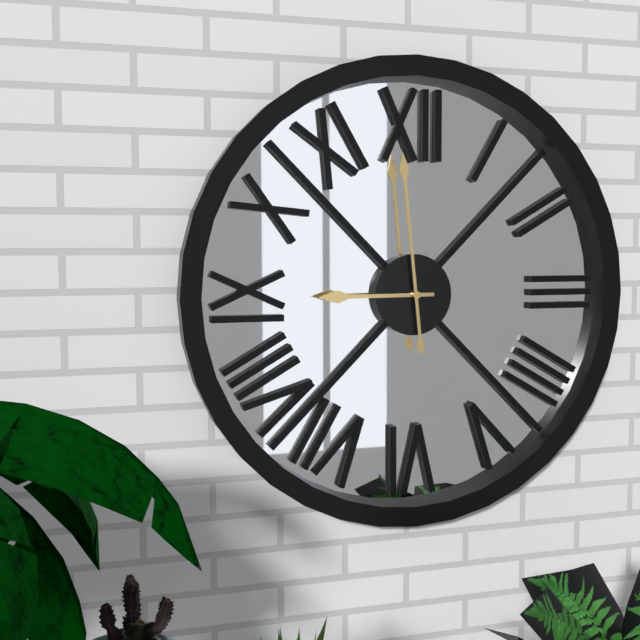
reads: 8,59
